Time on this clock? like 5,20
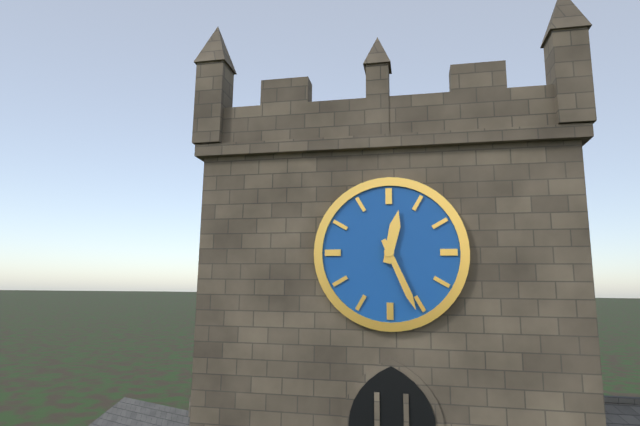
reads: 12,26
